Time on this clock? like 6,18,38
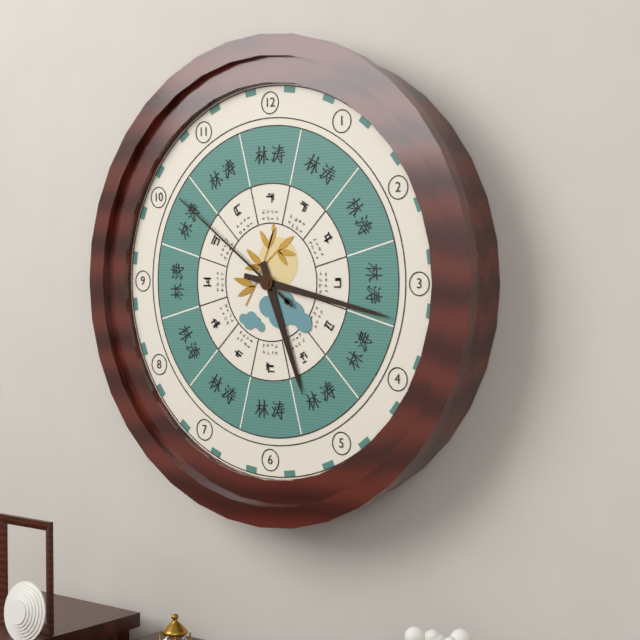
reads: 5,17,51
